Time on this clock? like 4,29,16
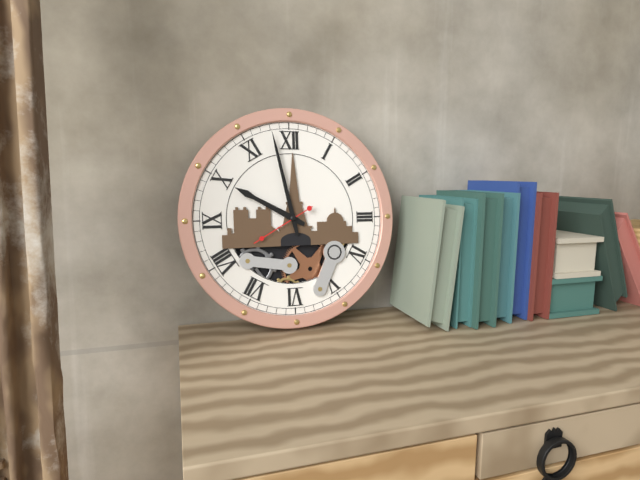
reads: 9,58,40
